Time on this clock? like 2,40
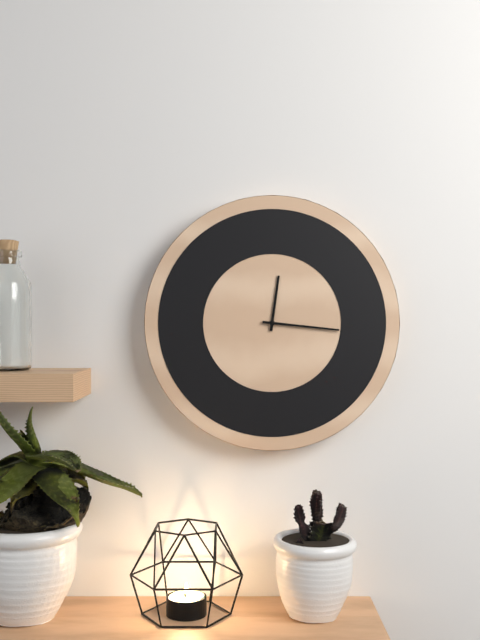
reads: 12,16
